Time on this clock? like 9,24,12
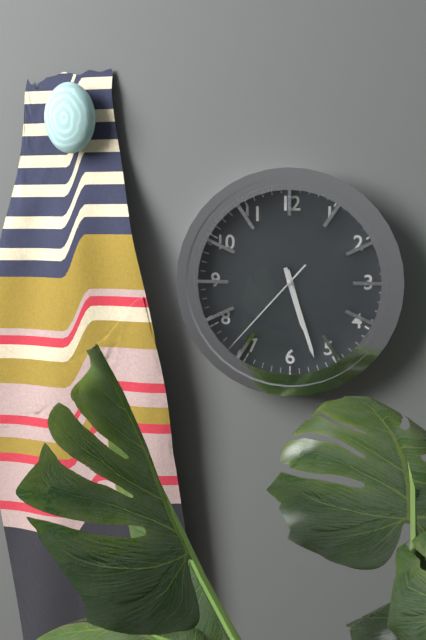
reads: 5,27,37
